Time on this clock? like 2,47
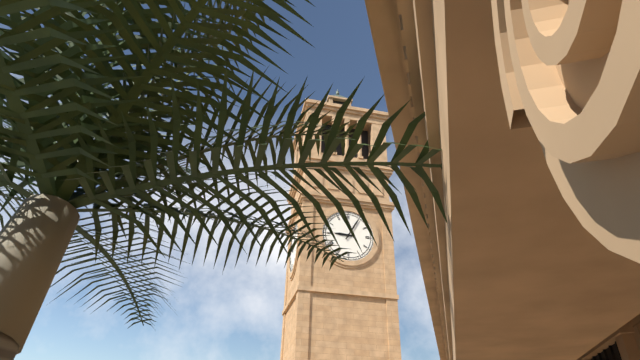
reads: 9,05
